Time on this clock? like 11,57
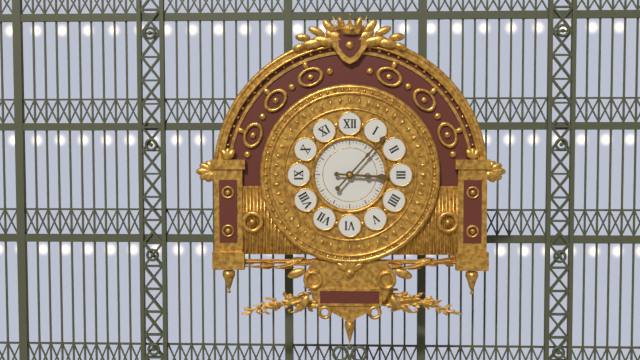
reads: 3,07
